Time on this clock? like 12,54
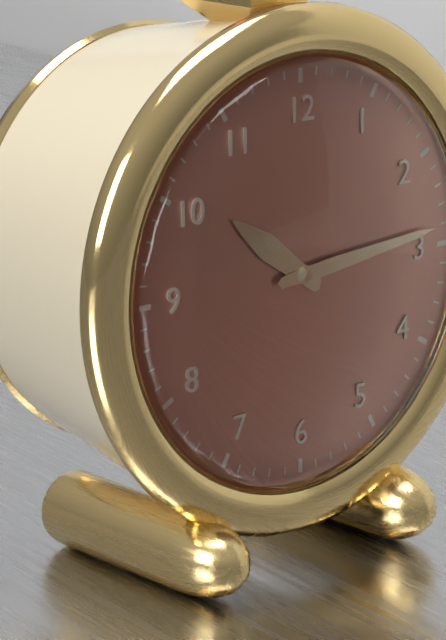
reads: 10,14
